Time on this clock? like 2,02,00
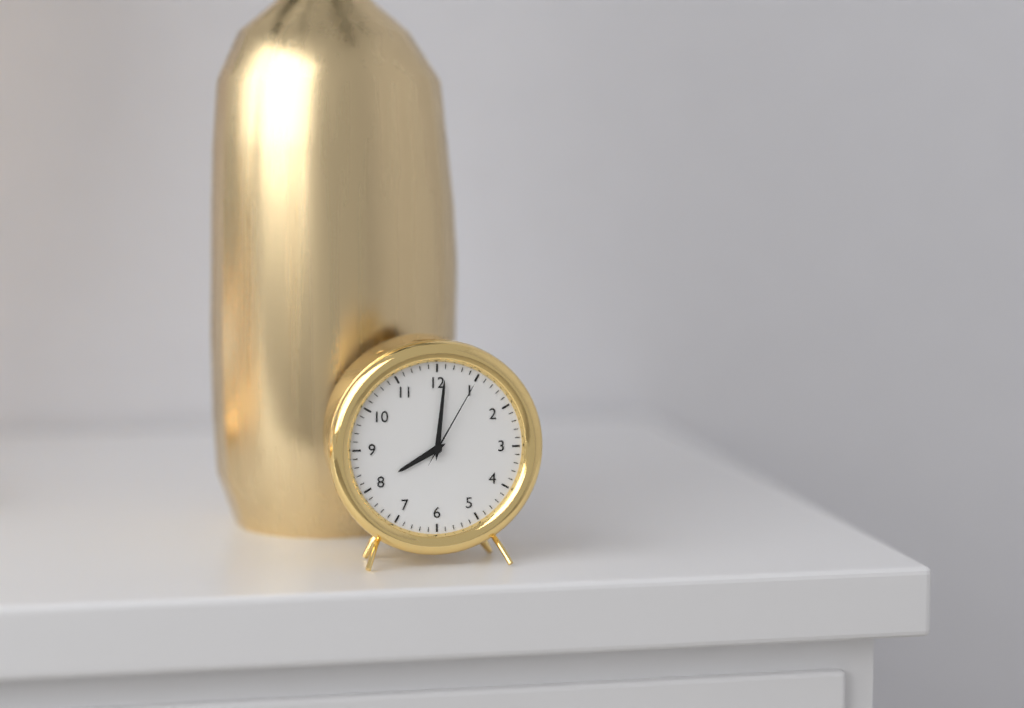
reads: 8,01,05
